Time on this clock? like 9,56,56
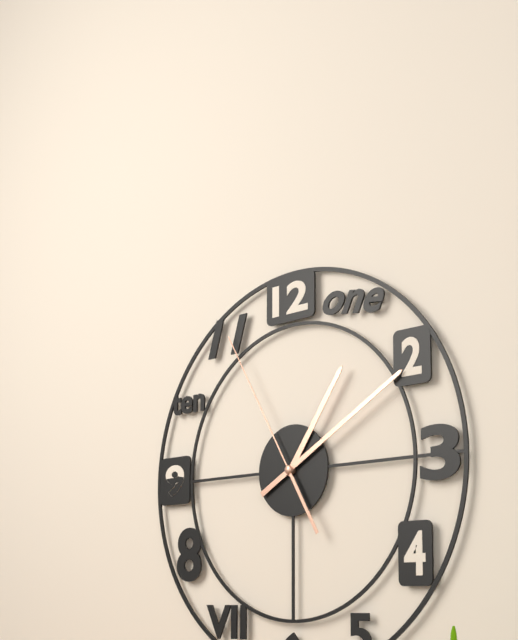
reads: 1,10,55
